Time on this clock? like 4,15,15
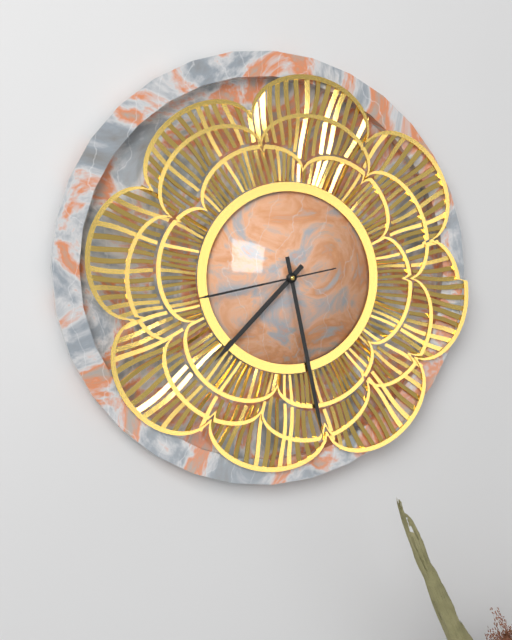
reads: 7,28,43
